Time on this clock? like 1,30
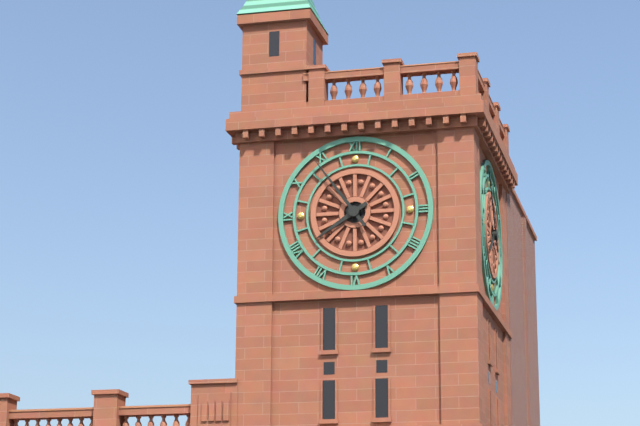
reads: 7,54
